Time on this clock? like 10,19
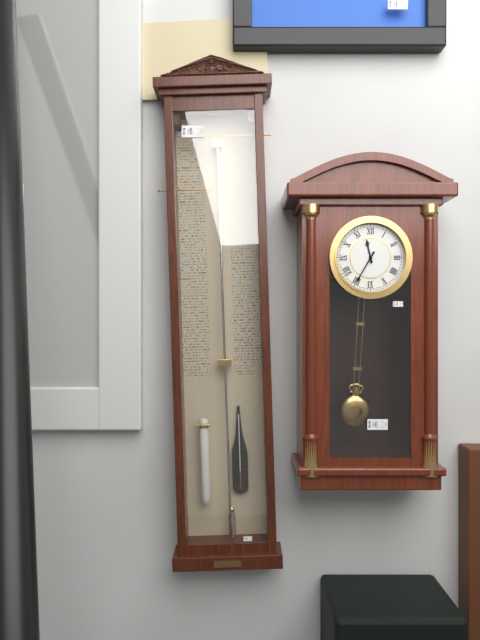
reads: 11,35
